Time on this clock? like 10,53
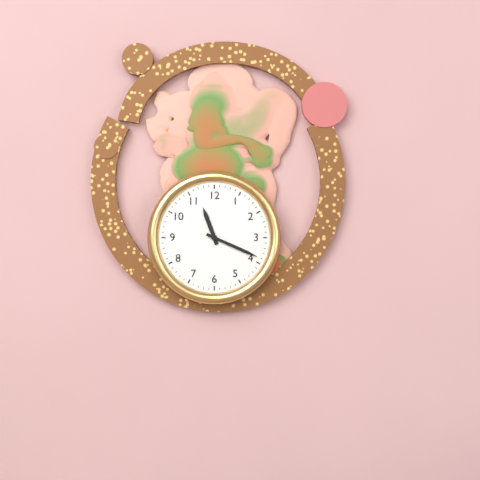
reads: 11,19
